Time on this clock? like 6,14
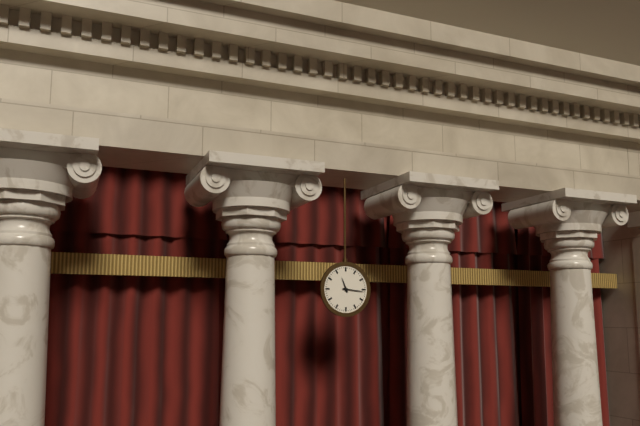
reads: 11,16
